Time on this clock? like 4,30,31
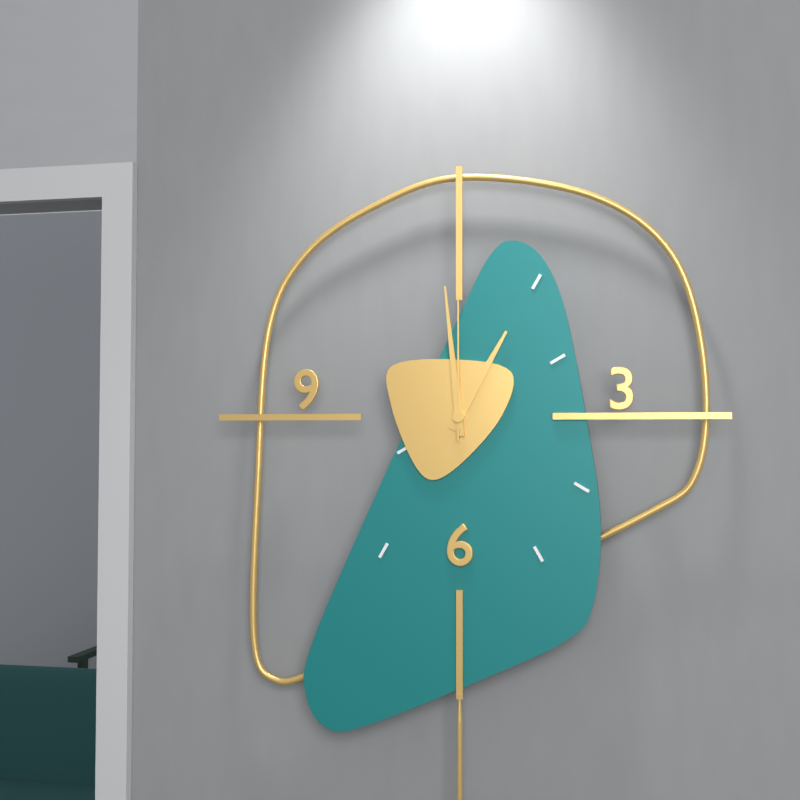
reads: 12,59,00
